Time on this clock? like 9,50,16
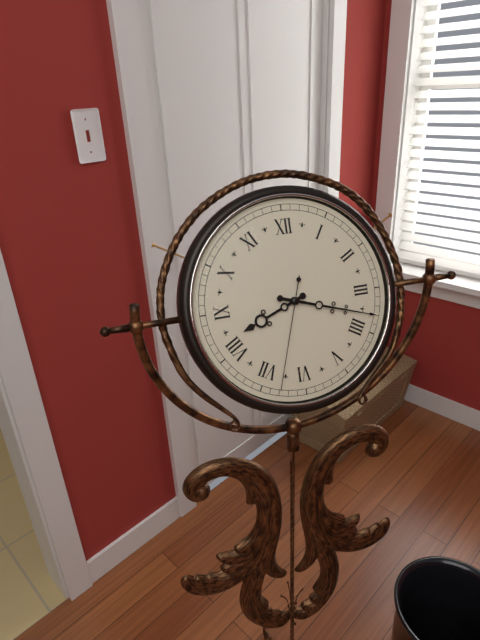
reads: 8,18,33
